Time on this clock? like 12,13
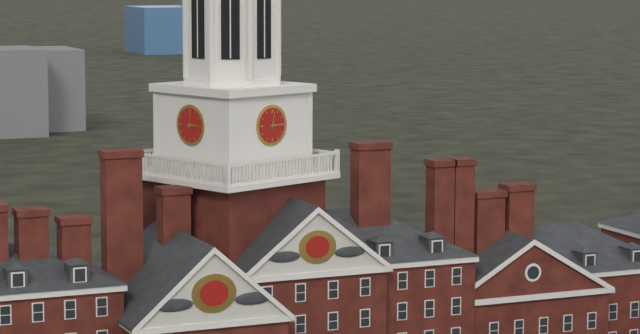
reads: 3,02
